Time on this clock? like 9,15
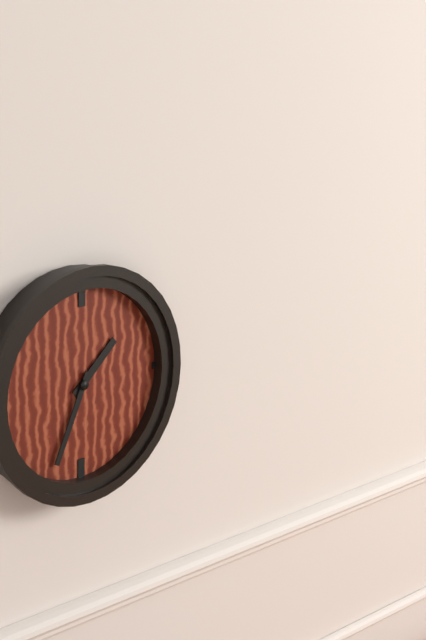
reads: 1,34
